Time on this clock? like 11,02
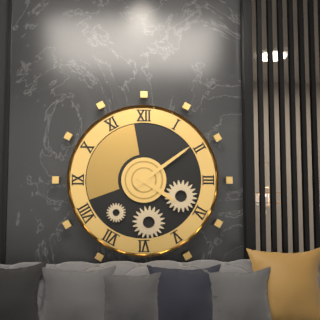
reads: 4,09
